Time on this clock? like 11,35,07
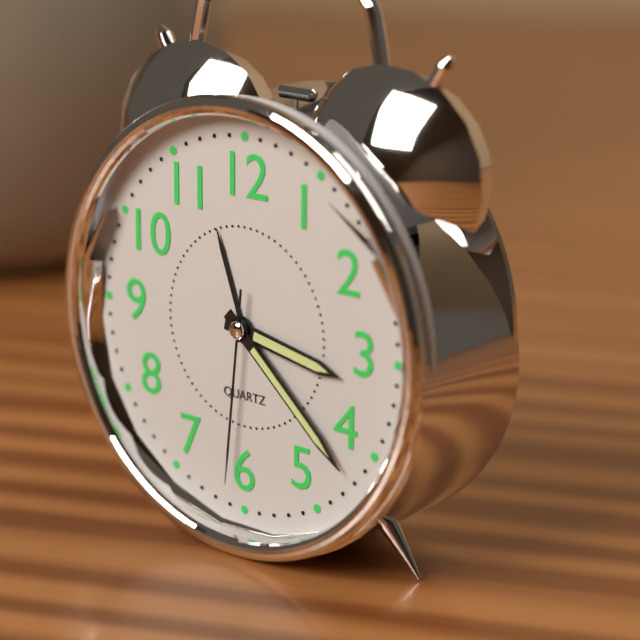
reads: 3,22,31
